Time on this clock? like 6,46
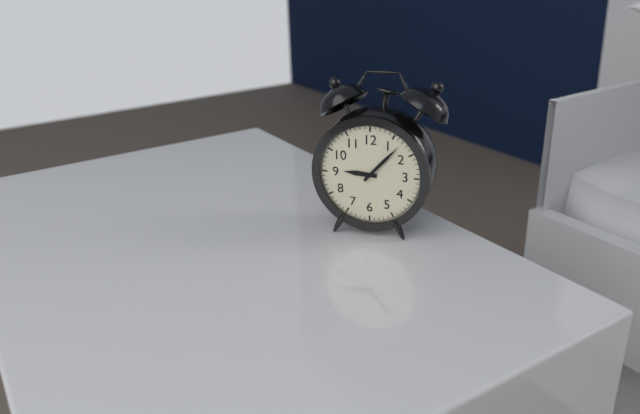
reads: 9,07
